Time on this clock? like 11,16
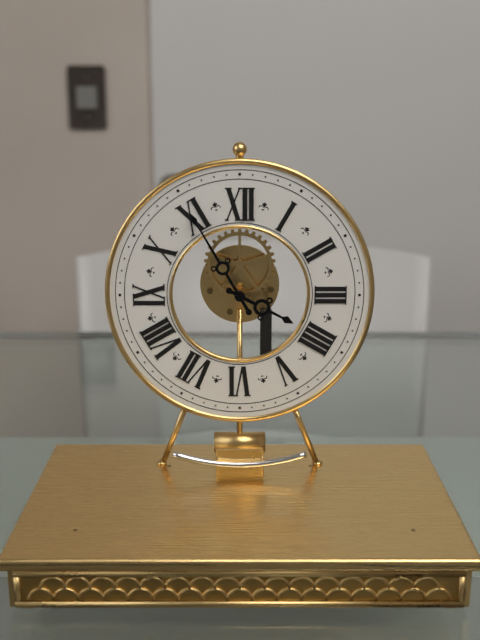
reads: 3,55
